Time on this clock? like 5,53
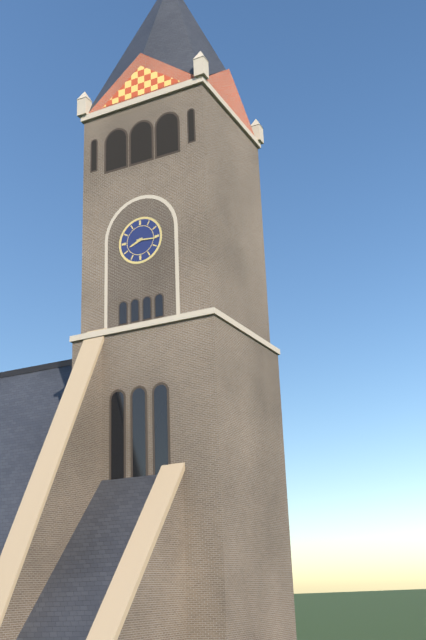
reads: 8,16
